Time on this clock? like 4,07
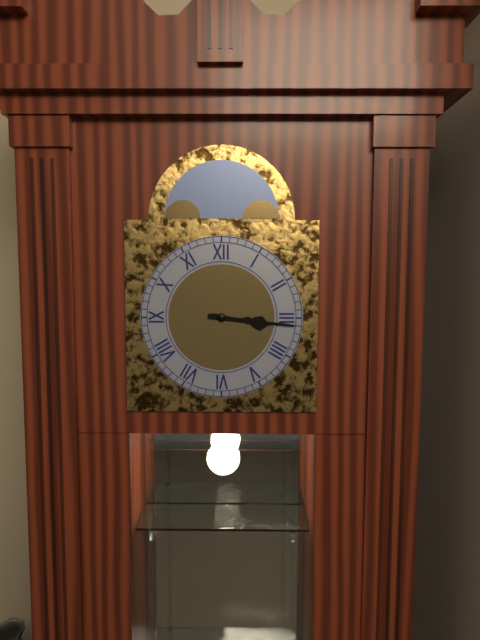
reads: 3,16
